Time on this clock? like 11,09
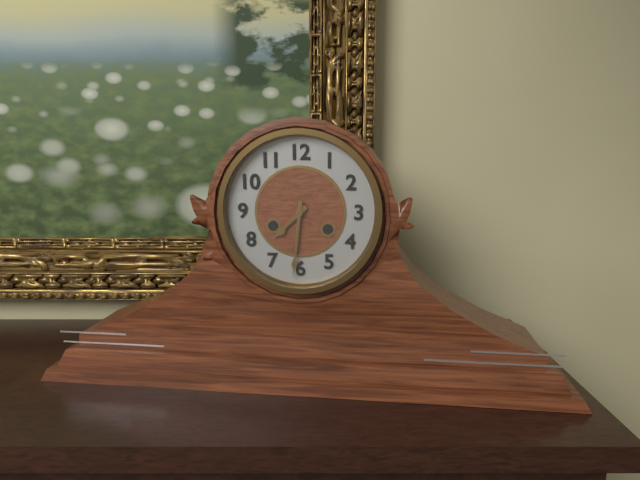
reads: 7,31
